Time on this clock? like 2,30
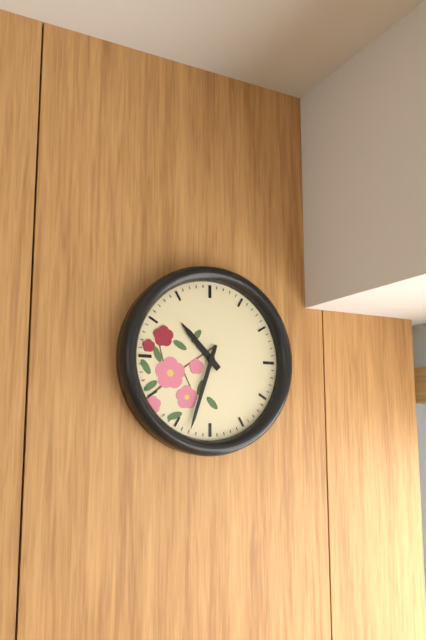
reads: 10,33
